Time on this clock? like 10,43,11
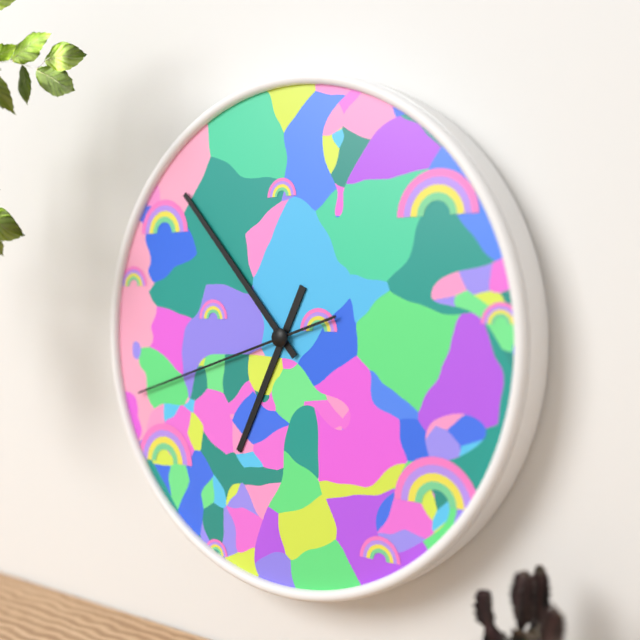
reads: 6,53,42
